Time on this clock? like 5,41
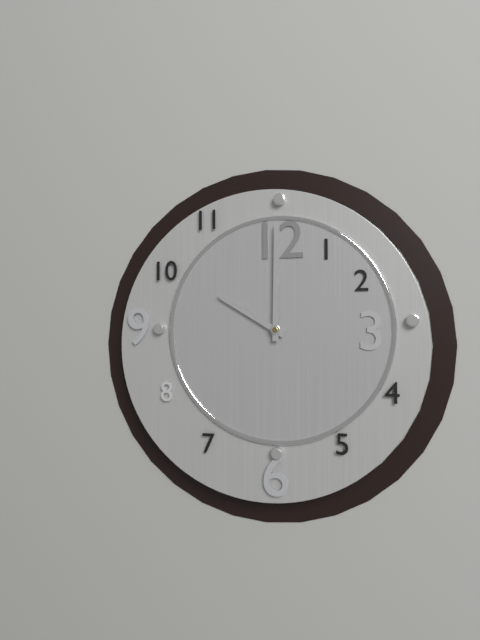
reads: 10,00
